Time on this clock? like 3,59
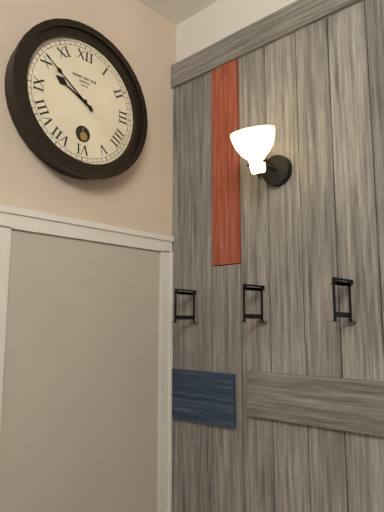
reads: 9,51
